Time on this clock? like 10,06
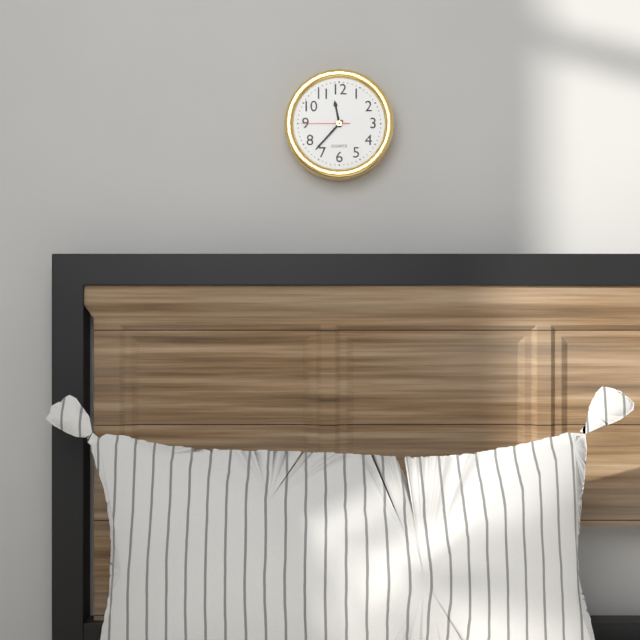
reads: 11,37
